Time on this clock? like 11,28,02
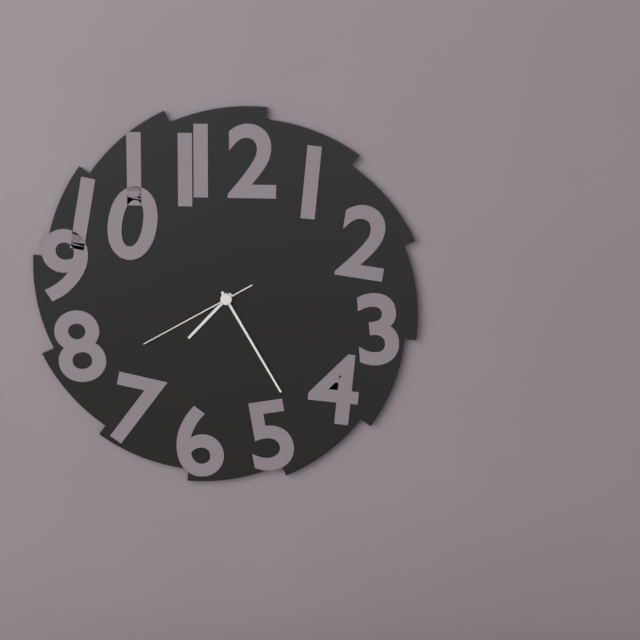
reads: 7,25,40
